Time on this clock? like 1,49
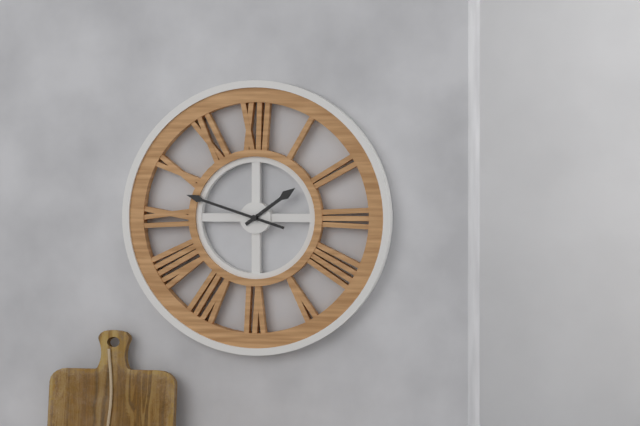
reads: 1,48
